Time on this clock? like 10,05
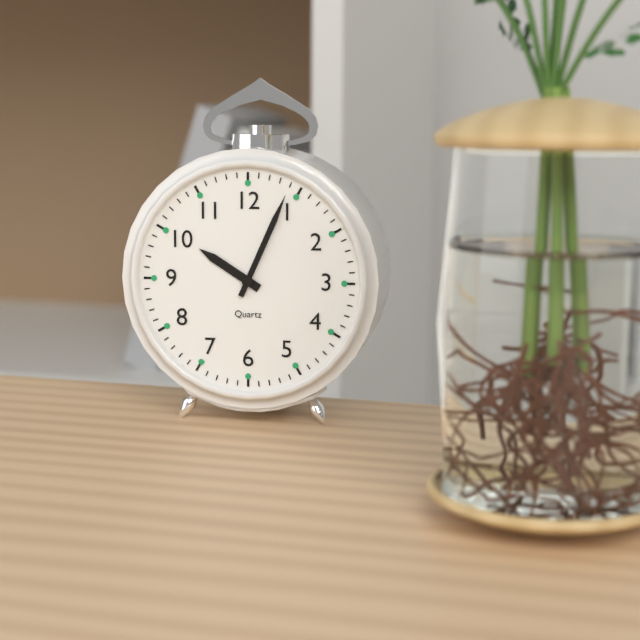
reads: 10,04
